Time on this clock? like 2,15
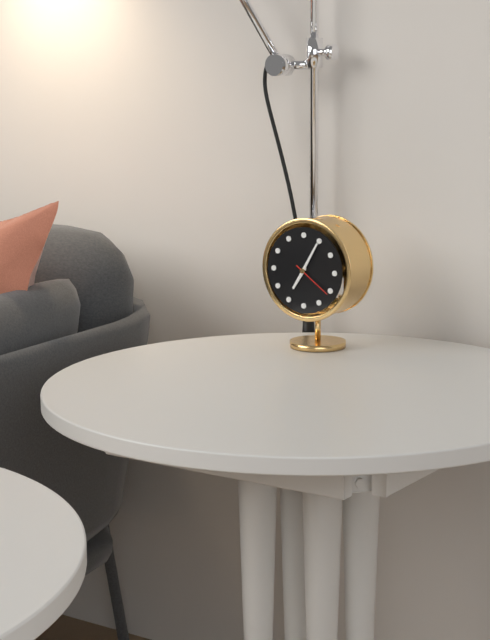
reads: 7,05
